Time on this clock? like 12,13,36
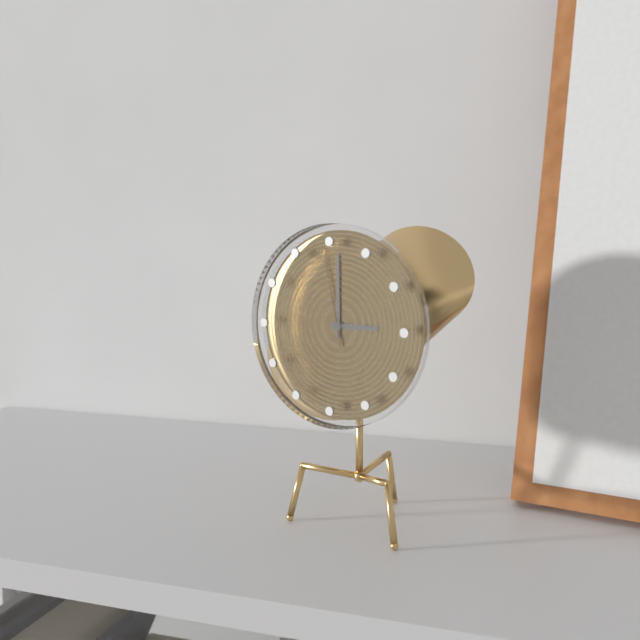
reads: 3,00,58
